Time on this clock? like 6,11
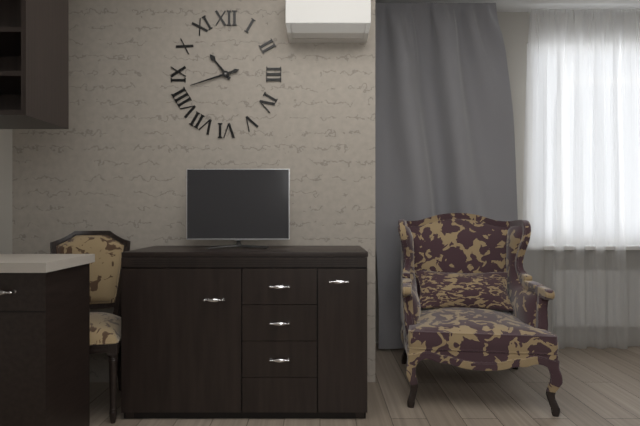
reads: 10,42
